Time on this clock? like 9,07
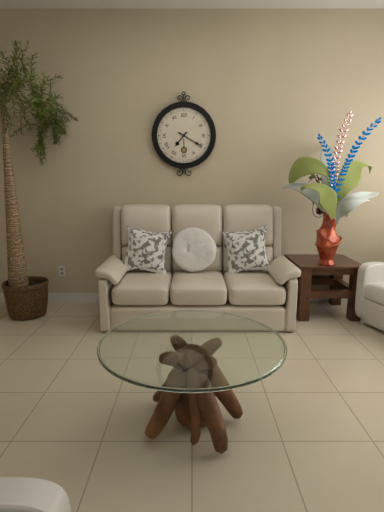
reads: 7,20
